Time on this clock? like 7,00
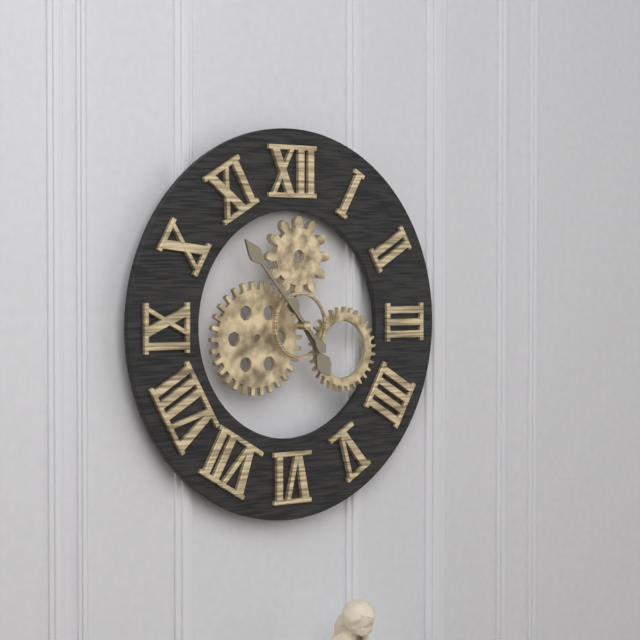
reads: 4,53
